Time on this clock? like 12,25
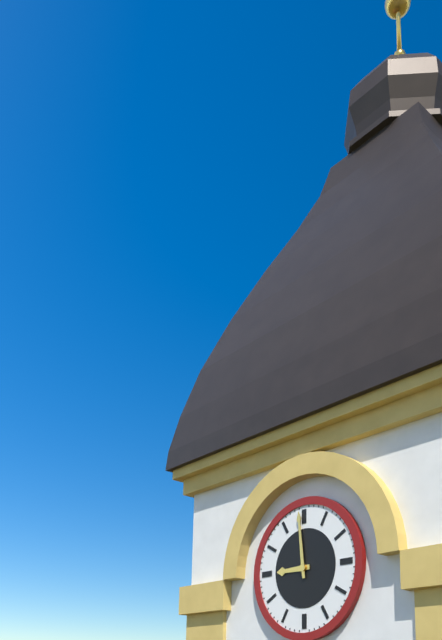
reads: 8,59
